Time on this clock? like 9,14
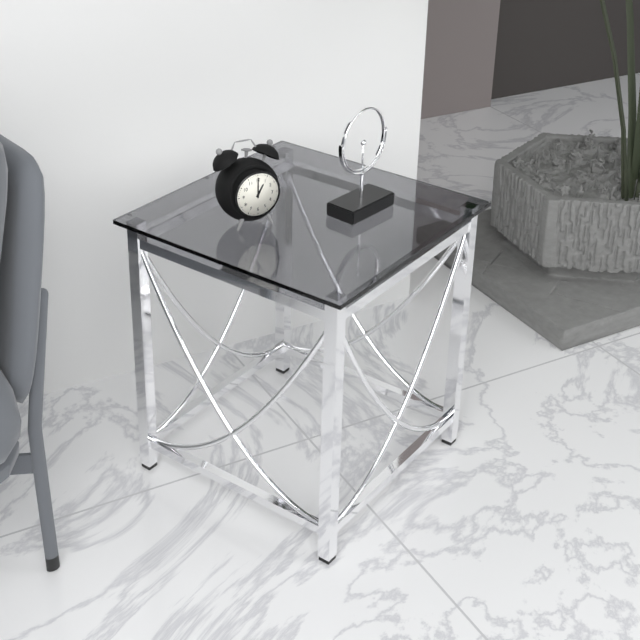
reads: 1,00
